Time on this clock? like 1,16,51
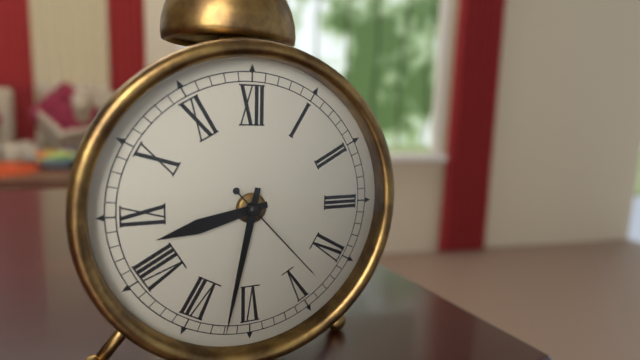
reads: 8,32,23
